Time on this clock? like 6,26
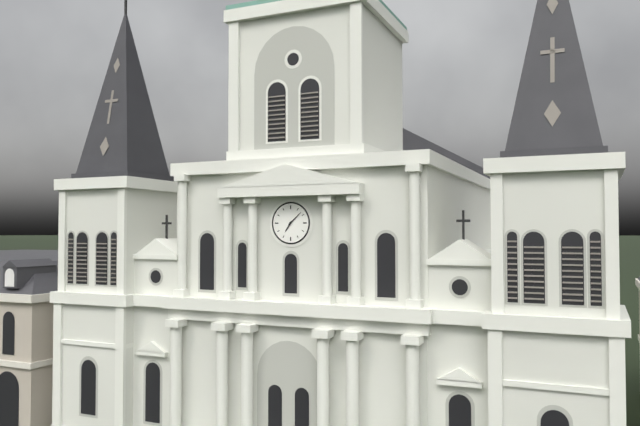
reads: 7,08
